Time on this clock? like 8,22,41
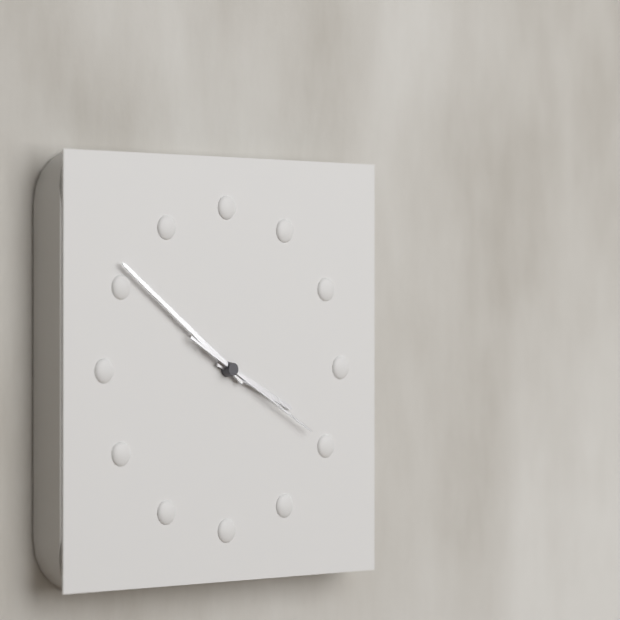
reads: 3,51,20
